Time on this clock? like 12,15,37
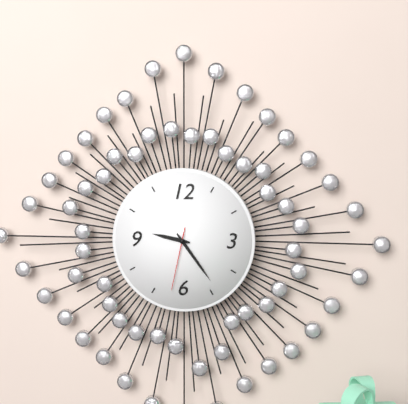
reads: 9,24,32
